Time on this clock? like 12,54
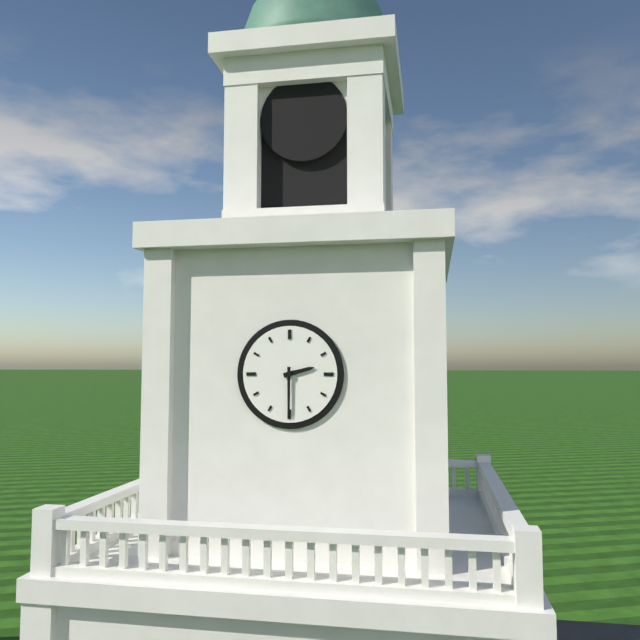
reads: 2,30
